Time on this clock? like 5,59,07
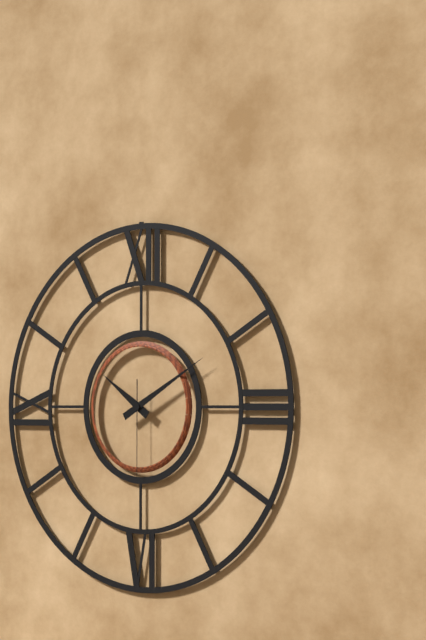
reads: 10,10,30
